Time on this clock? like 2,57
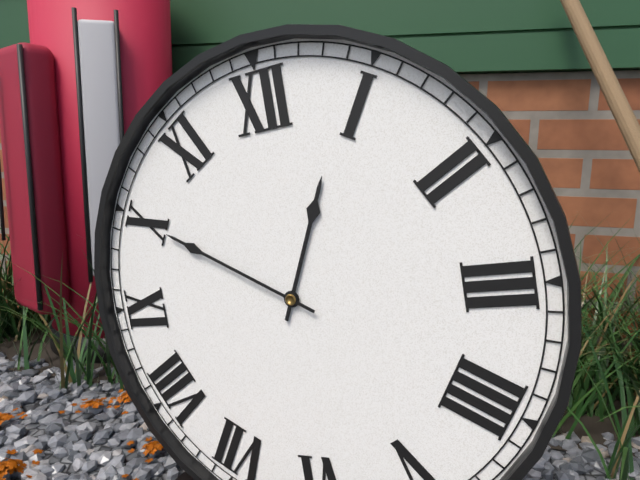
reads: 12,50
